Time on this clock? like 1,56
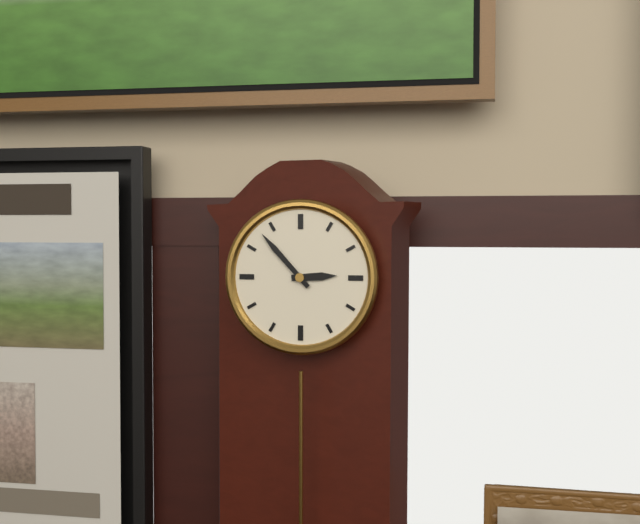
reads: 2,53
